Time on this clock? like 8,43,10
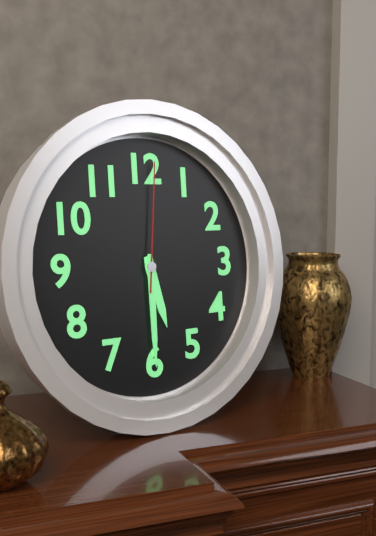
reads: 5,30,01
